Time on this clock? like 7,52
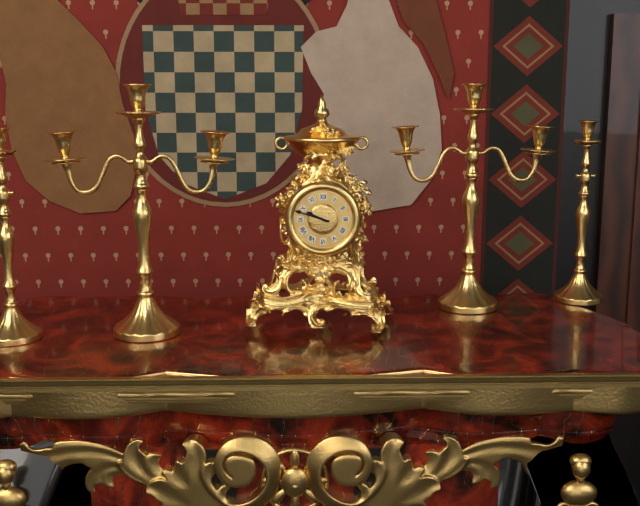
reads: 9,48
